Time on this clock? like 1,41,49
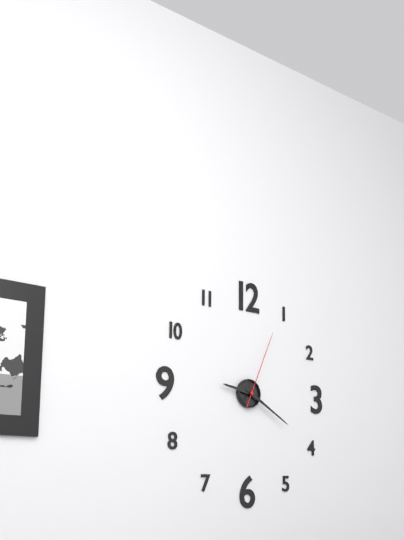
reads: 9,20,04
